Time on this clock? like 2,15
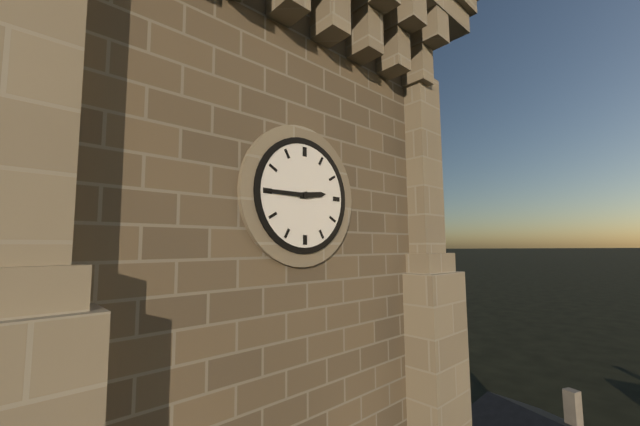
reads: 2,45
